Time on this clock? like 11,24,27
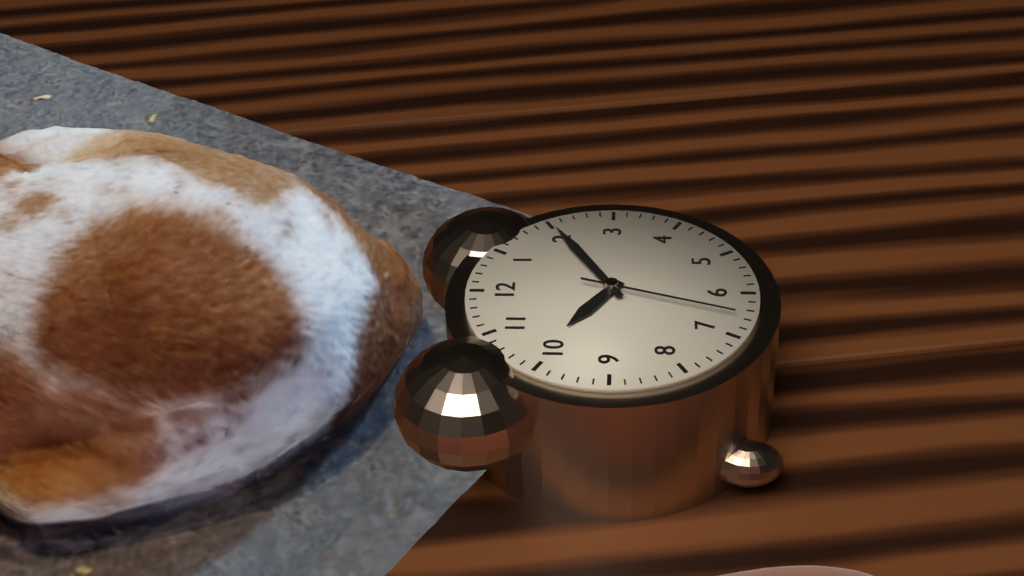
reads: 10,10,33
